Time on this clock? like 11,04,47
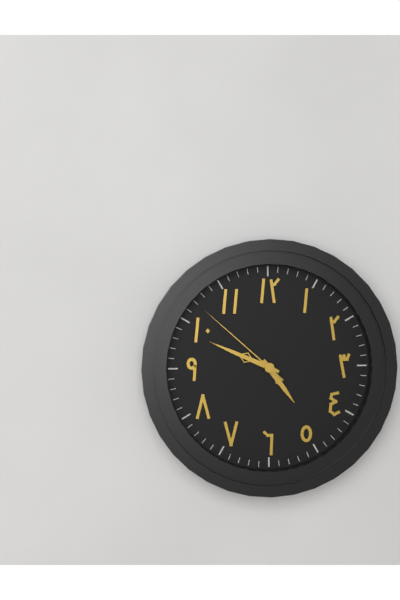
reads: 4,49,52
